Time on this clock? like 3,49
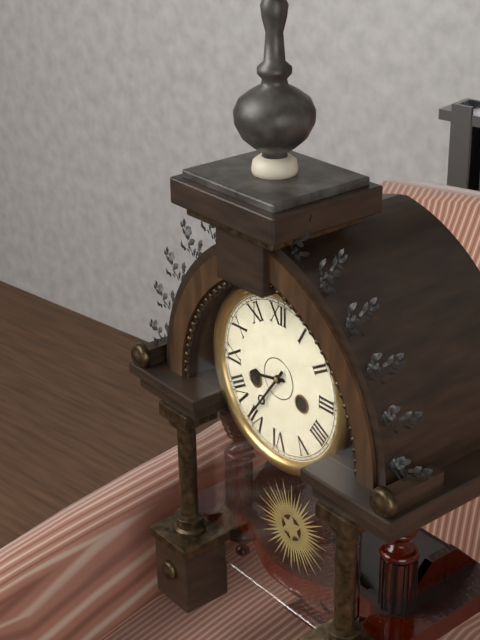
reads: 8,36
